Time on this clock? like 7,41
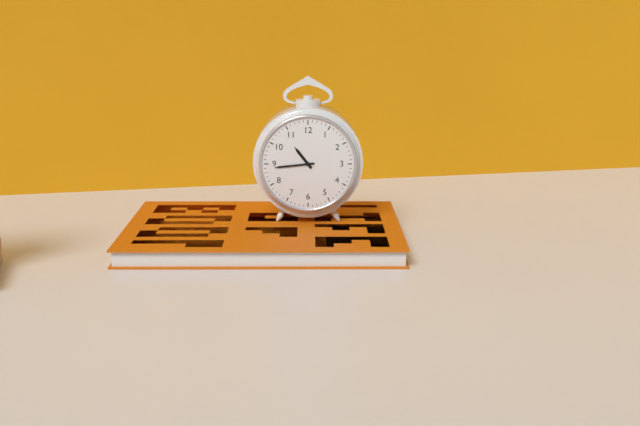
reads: 10,44
